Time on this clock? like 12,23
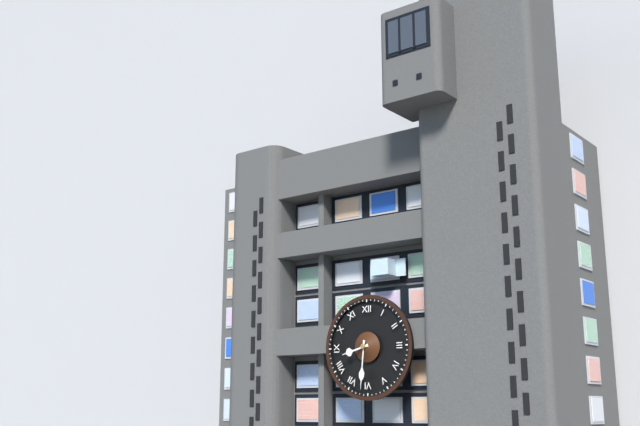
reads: 8,31
